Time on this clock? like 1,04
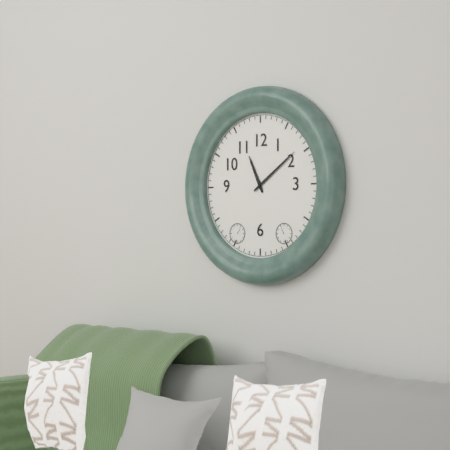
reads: 11,09
